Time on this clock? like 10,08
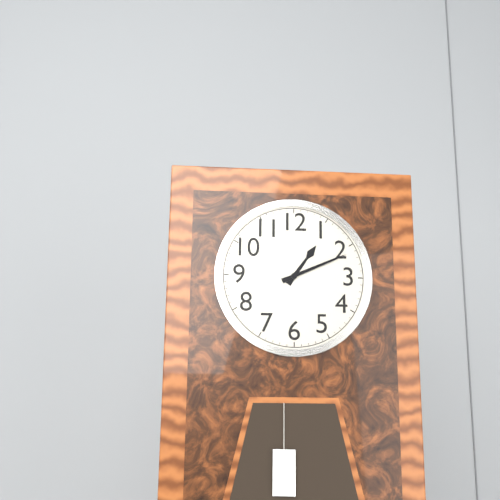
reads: 1,11
